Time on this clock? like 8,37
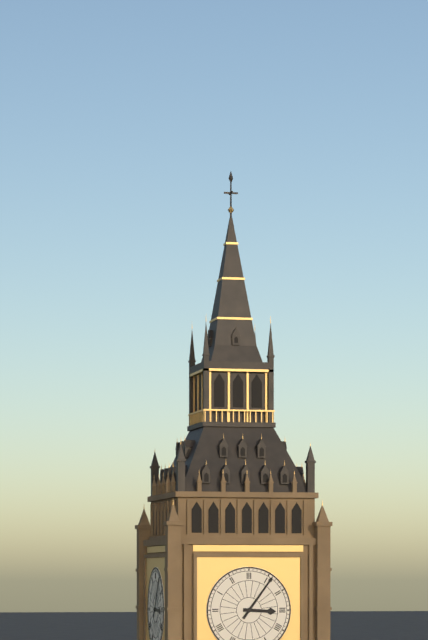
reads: 3,06
